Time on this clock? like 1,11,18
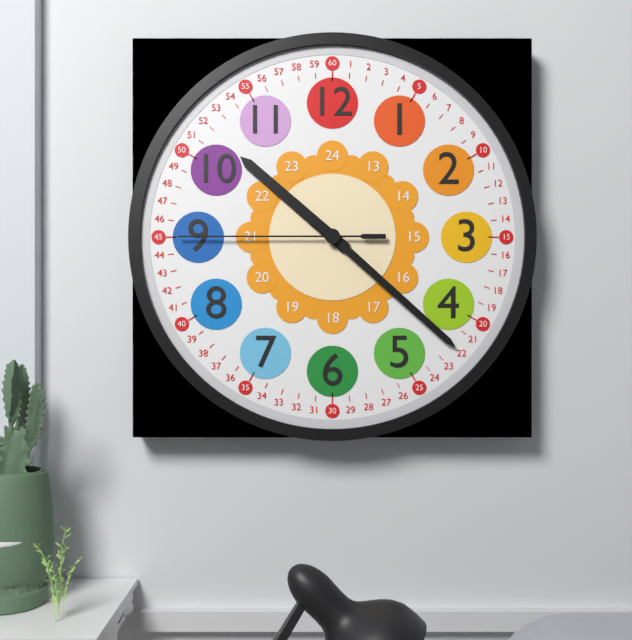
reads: 10,22,45
